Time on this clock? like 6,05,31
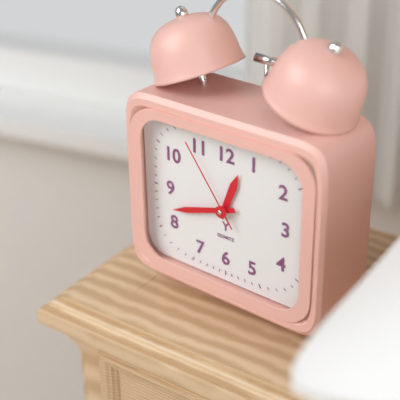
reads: 12,42,54
